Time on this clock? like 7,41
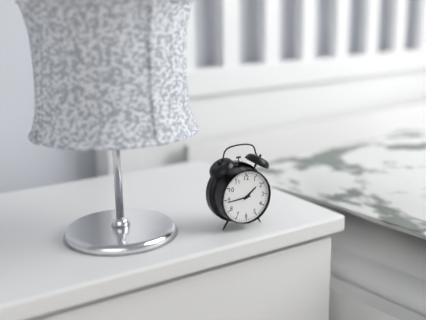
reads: 1,44
